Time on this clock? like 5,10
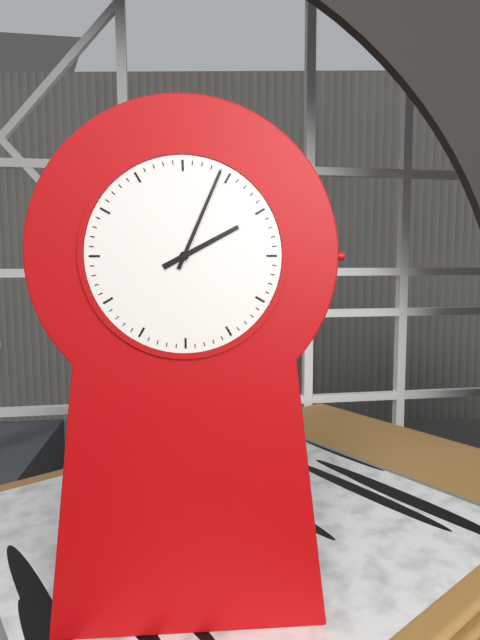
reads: 2,04
